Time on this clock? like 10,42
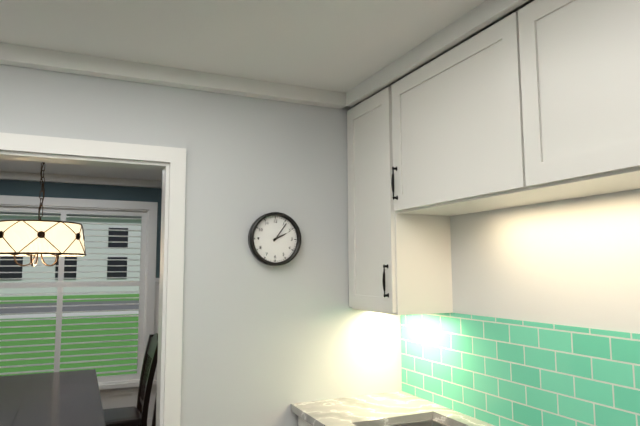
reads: 2,06
